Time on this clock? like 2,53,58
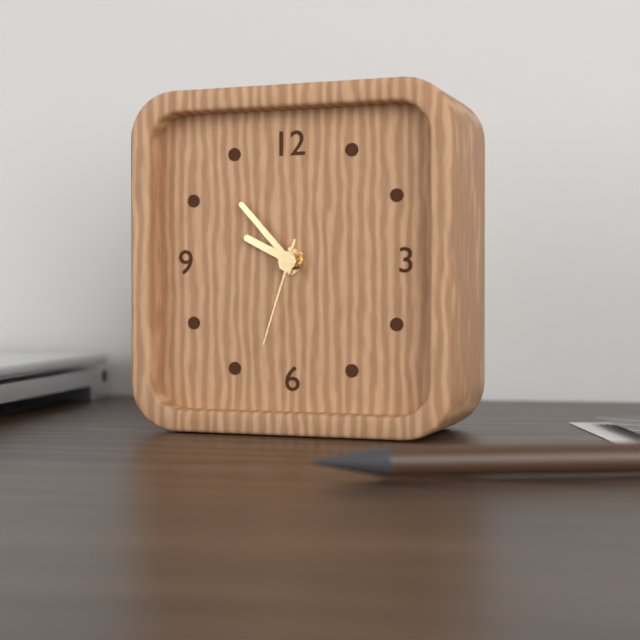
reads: 9,53,33
